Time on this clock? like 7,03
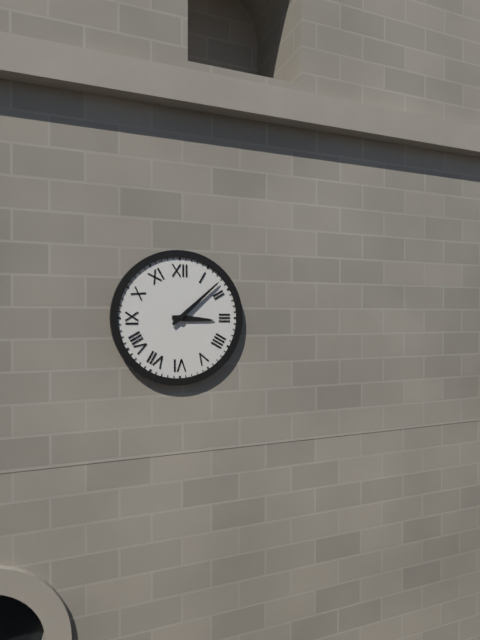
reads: 3,08
